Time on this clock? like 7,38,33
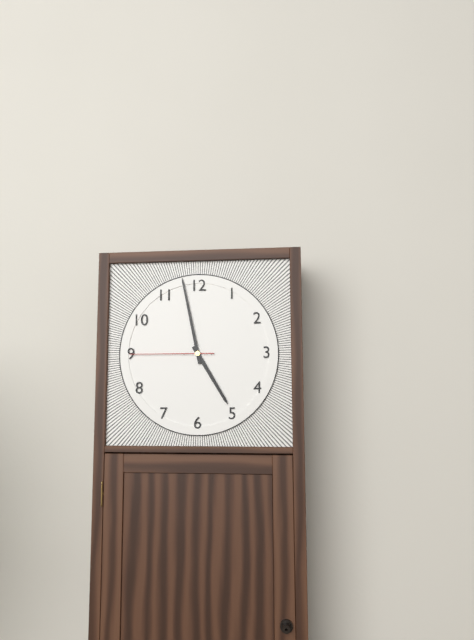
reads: 4,58,45
